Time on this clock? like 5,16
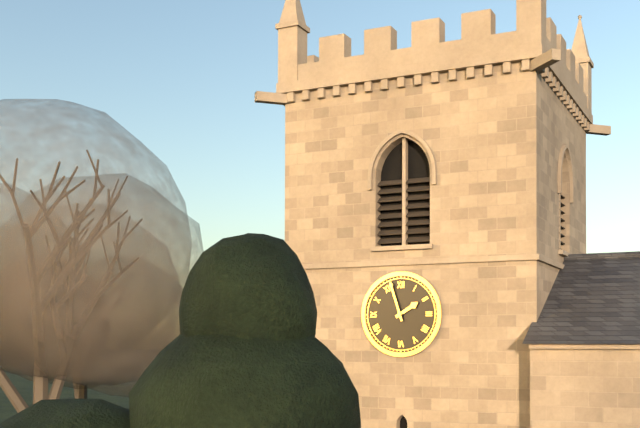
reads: 1,57
